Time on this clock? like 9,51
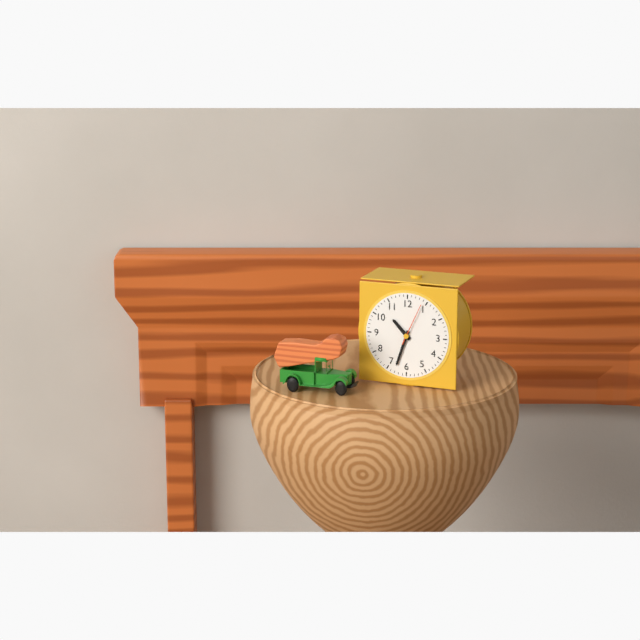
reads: 10,33
